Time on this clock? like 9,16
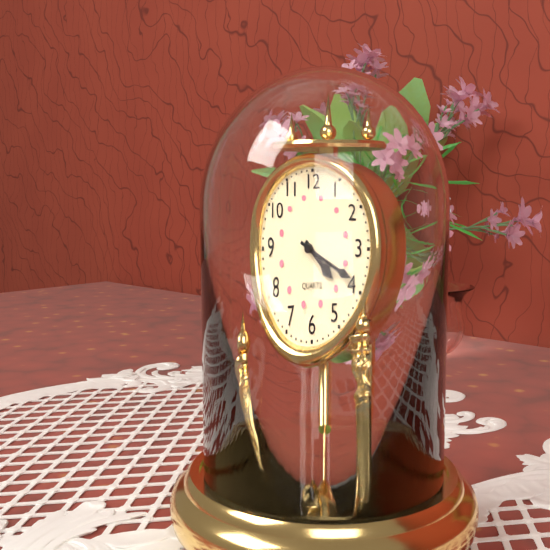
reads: 4,19
